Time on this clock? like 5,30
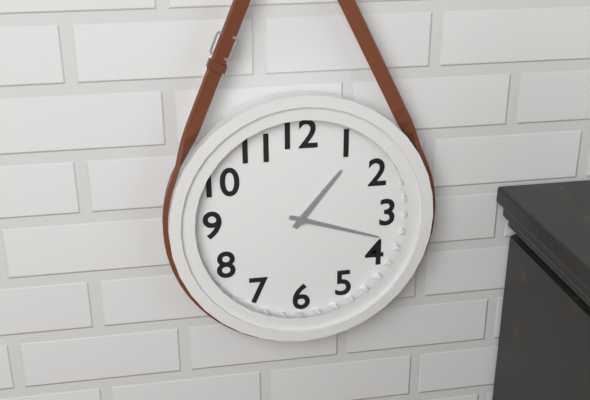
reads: 1,18
